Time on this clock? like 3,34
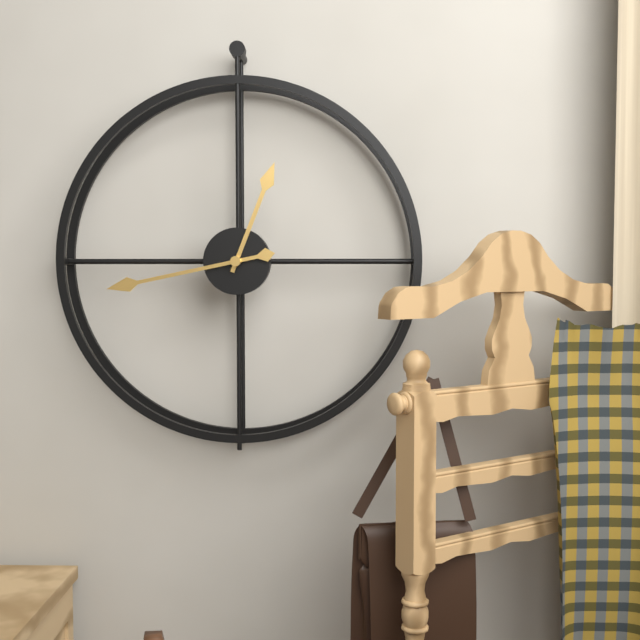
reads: 12,43
